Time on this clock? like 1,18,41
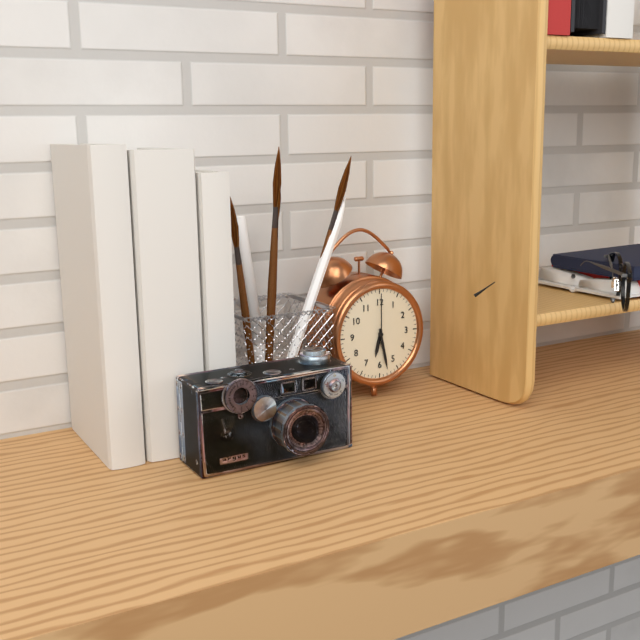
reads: 6,28,00
